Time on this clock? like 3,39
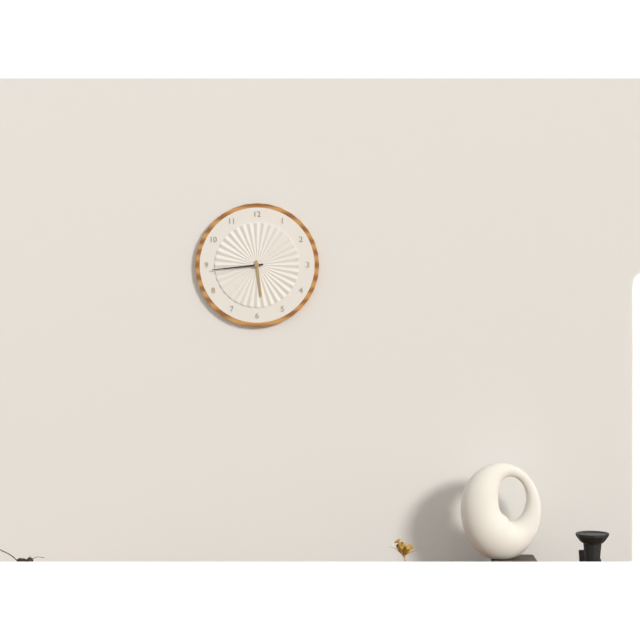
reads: 5,44
